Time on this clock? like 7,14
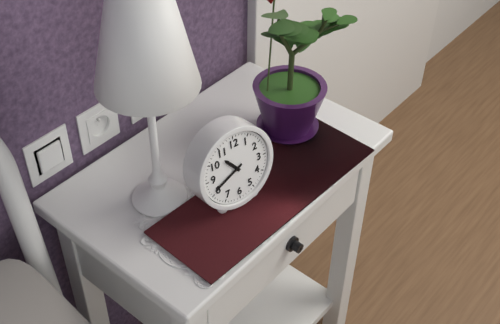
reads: 10,41
